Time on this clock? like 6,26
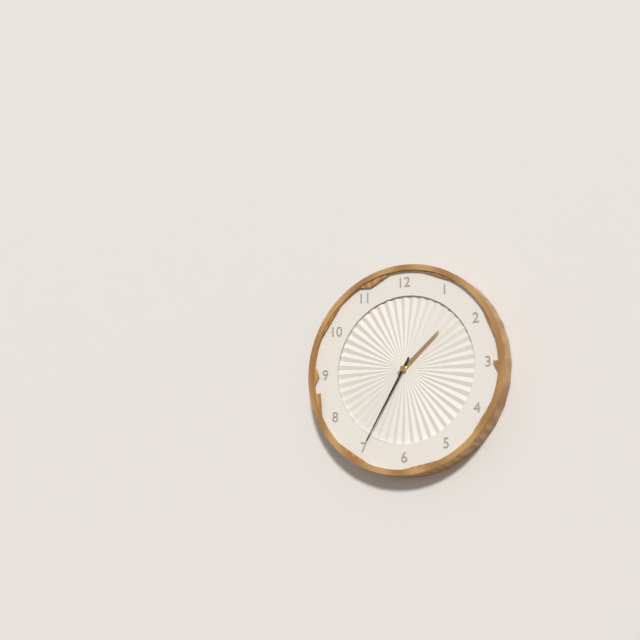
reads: 1,35
